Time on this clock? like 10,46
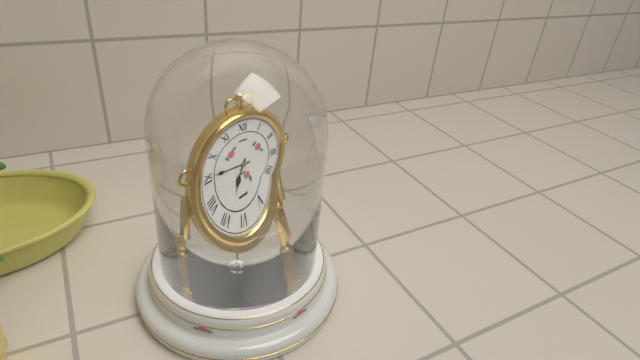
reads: 6,45
